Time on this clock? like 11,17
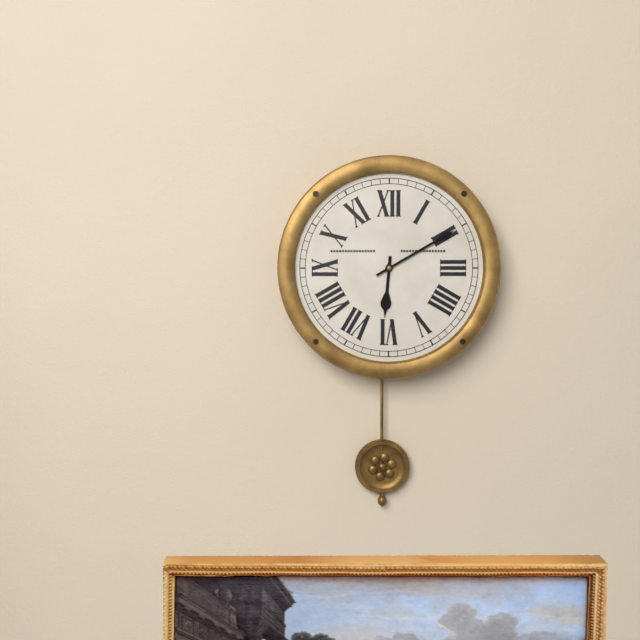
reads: 6,10
